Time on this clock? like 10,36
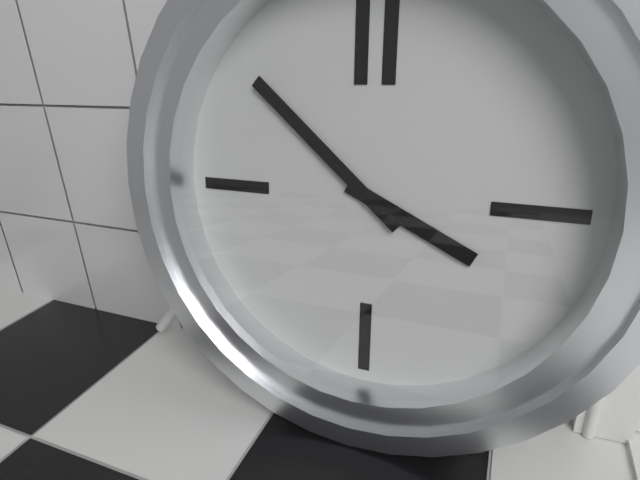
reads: 3,52
